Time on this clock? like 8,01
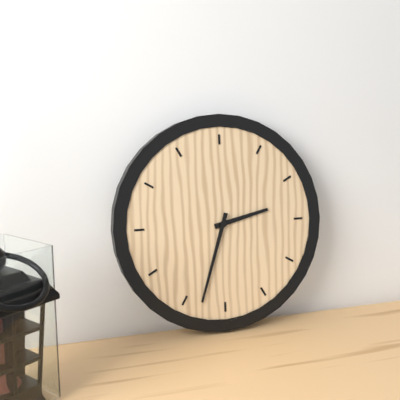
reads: 2,33
